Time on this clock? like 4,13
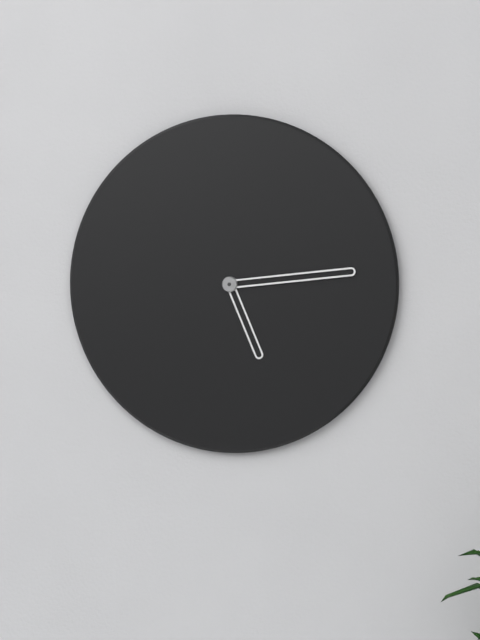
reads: 5,14
